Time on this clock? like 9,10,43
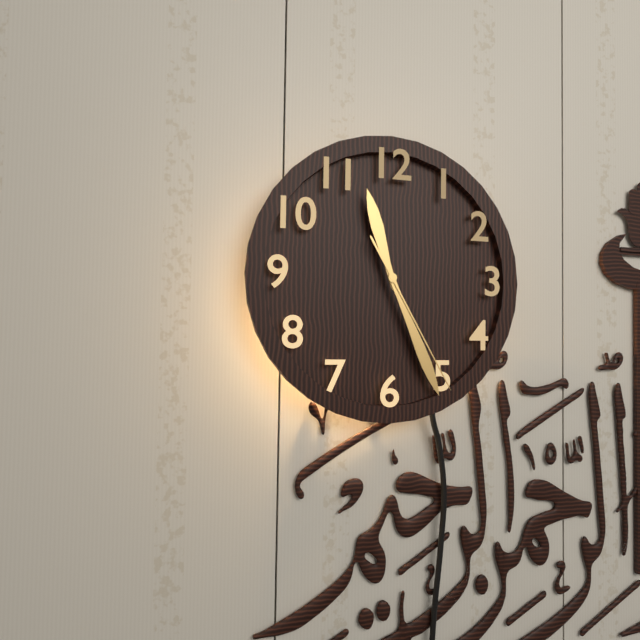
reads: 11,26,25
